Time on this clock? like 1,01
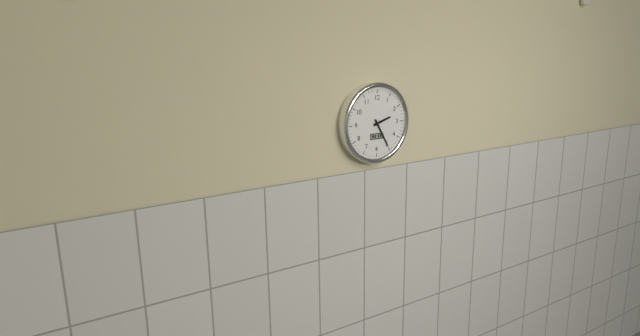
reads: 2,25
